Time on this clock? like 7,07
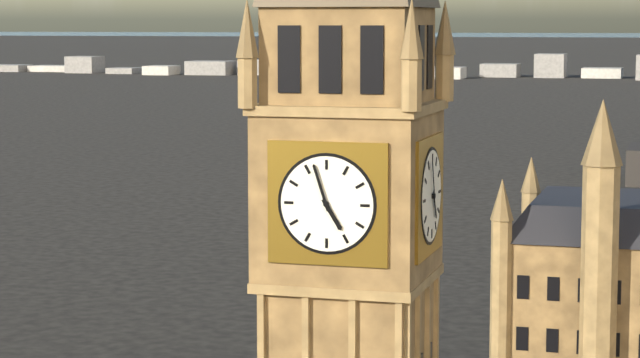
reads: 4,57
